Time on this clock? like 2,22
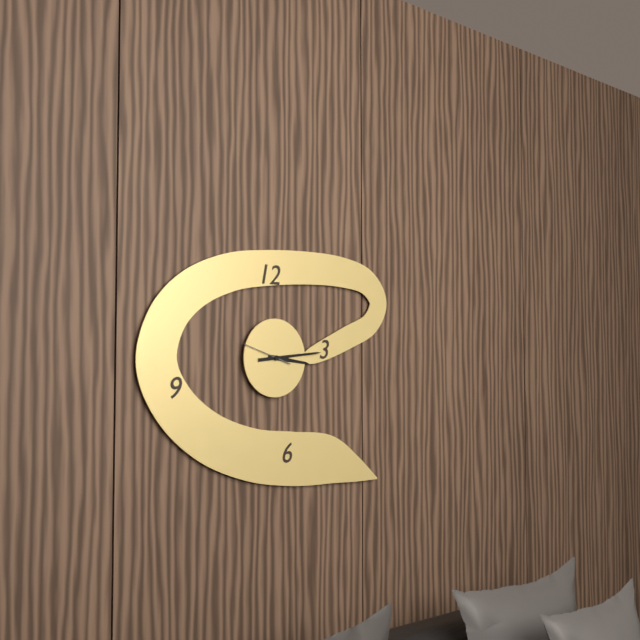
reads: 3,14
